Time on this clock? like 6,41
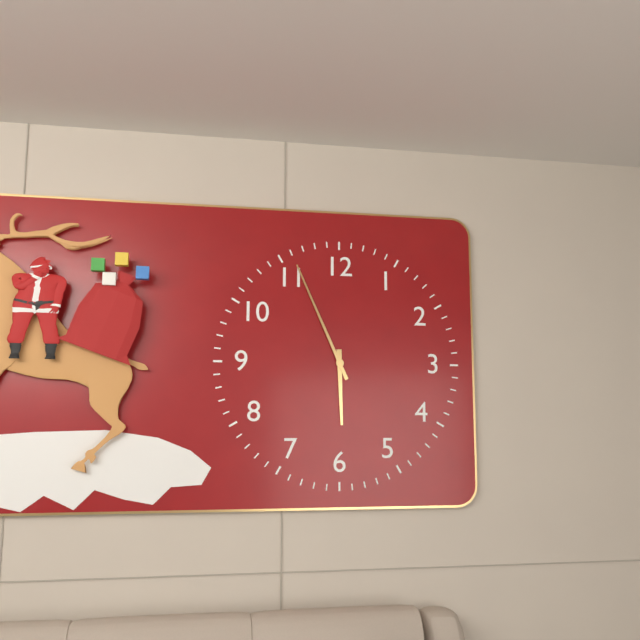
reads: 5,56
